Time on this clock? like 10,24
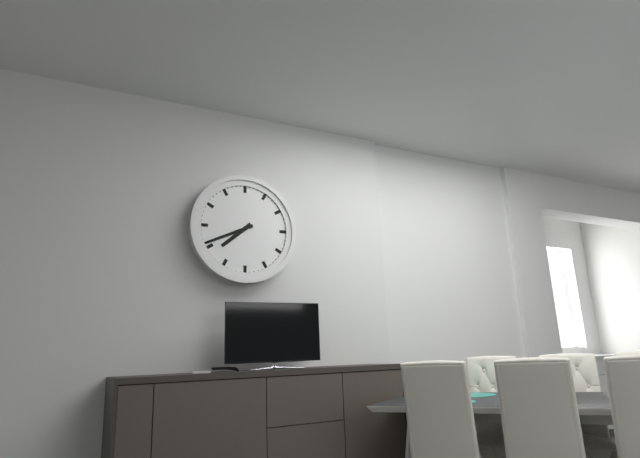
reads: 7,41
